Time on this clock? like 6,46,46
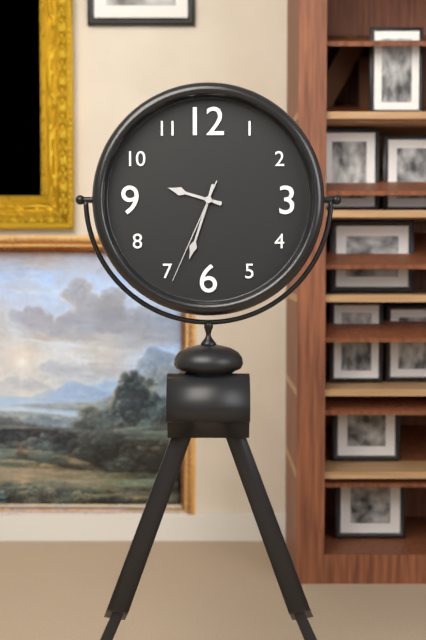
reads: 9,33,34
